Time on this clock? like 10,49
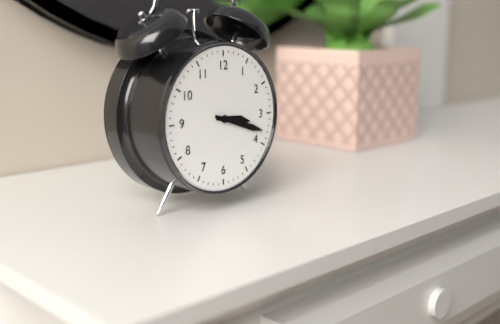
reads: 3,18
